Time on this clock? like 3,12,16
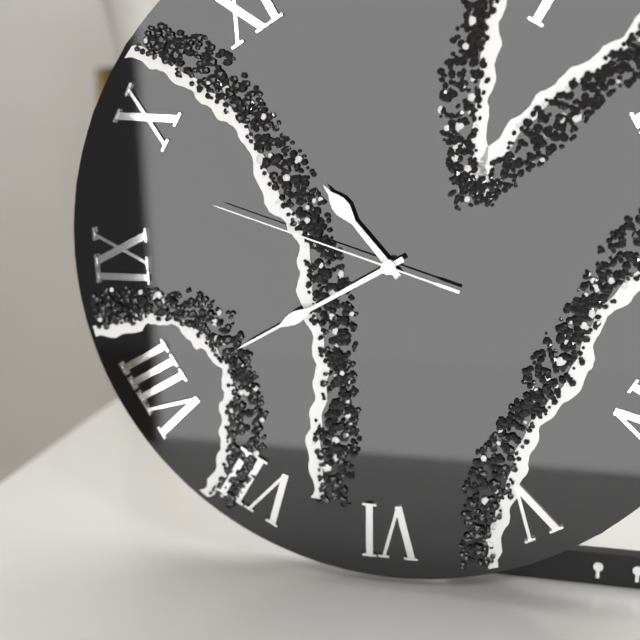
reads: 10,40,48
